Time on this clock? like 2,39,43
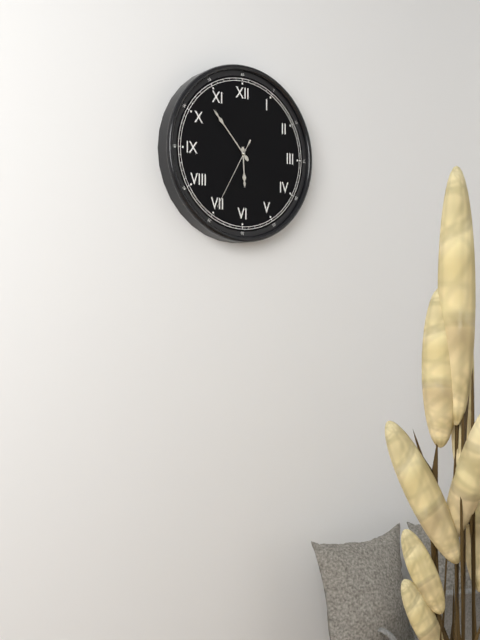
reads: 5,53,35
